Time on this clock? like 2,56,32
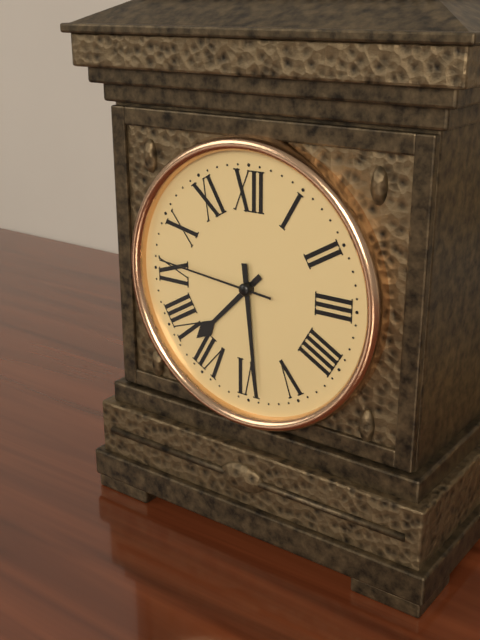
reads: 7,29,46
